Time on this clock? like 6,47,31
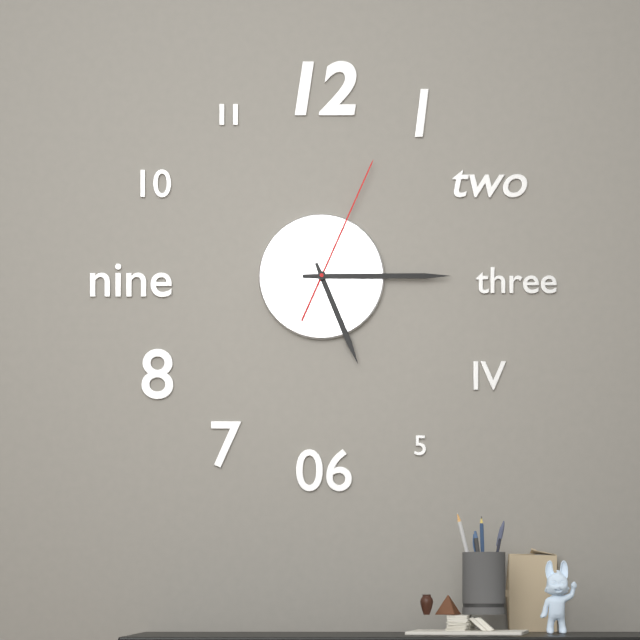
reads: 5,15,04
